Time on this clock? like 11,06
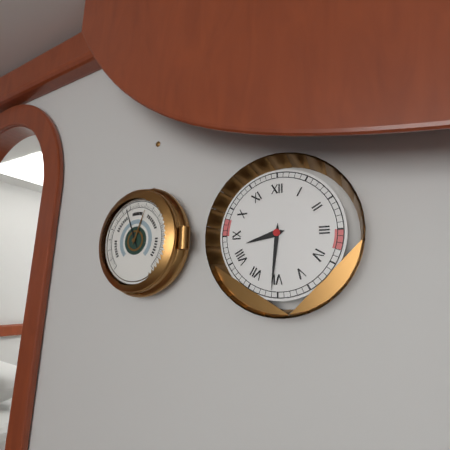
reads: 8,31
